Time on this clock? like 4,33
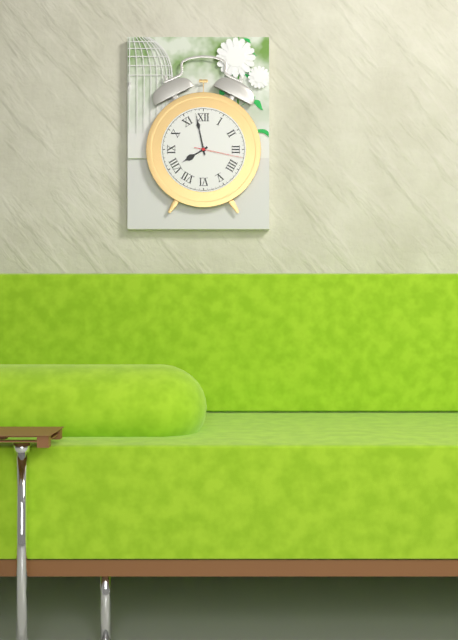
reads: 7,58
